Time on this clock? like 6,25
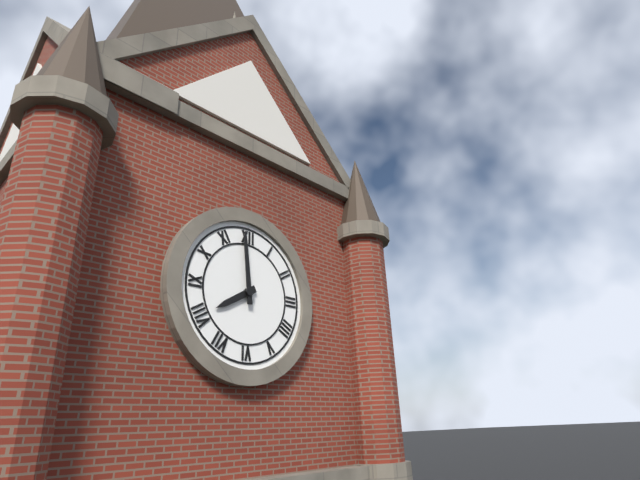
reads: 7,59
